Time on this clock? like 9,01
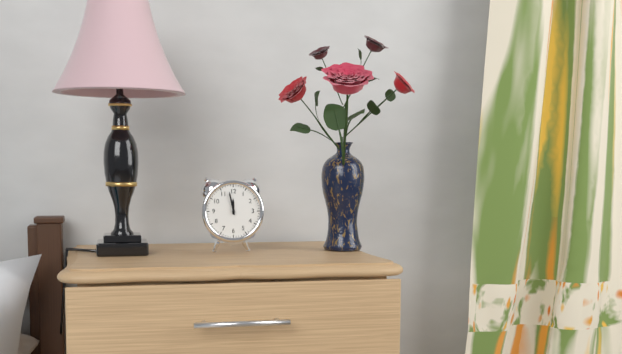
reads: 11,58
